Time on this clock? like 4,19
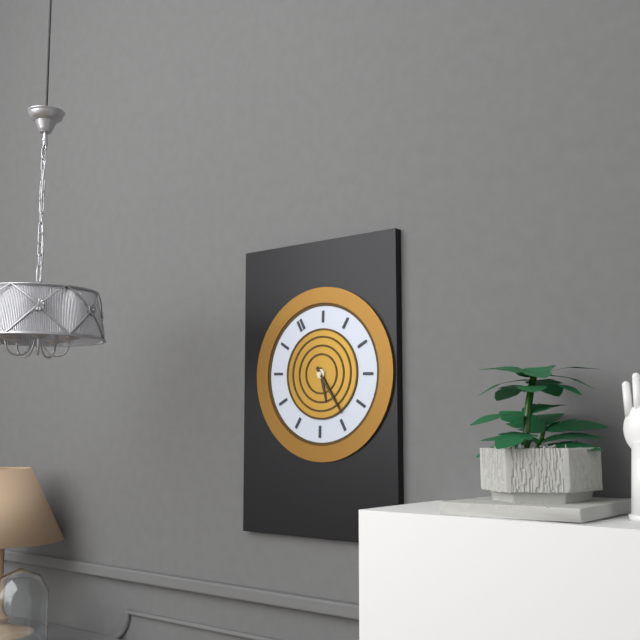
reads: 6,29
